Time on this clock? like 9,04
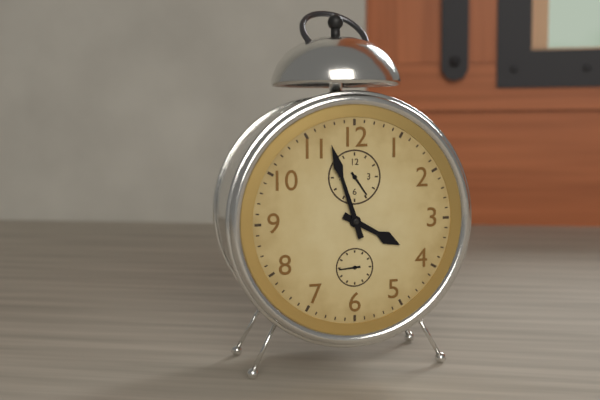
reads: 3,57
